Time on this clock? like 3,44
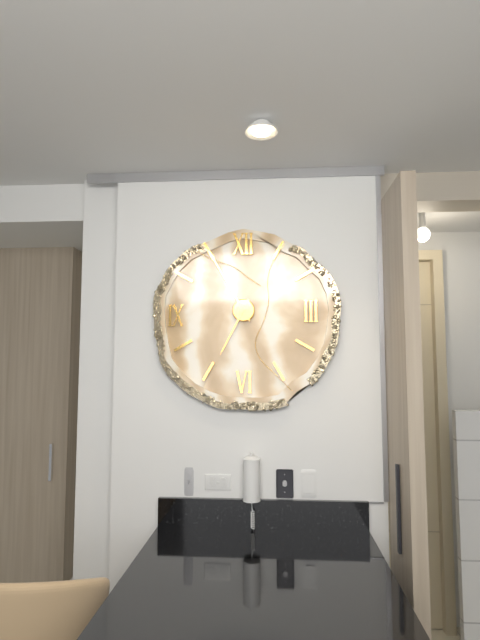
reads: 6,55
